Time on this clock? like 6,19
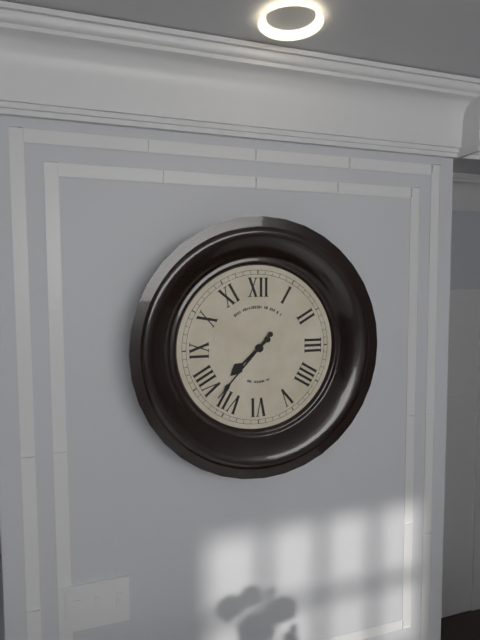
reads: 7,37
